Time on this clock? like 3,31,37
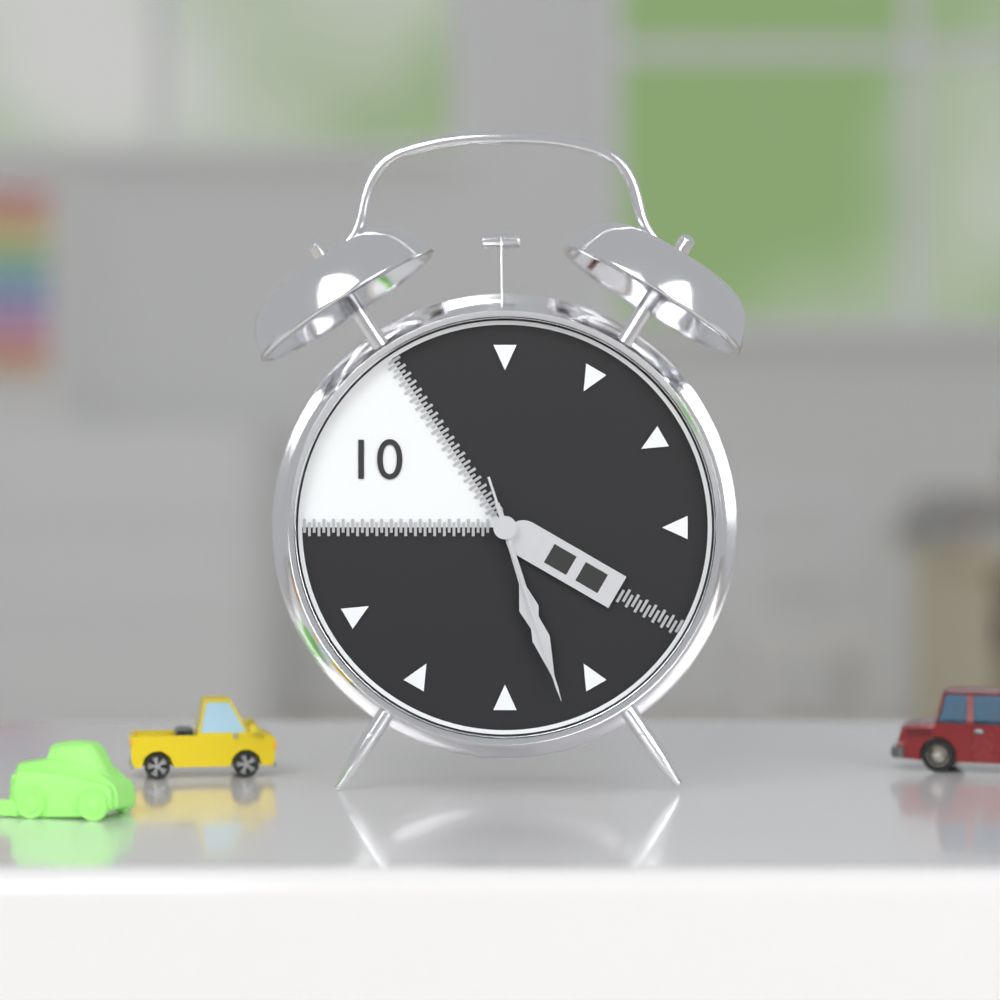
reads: 5,27,27
